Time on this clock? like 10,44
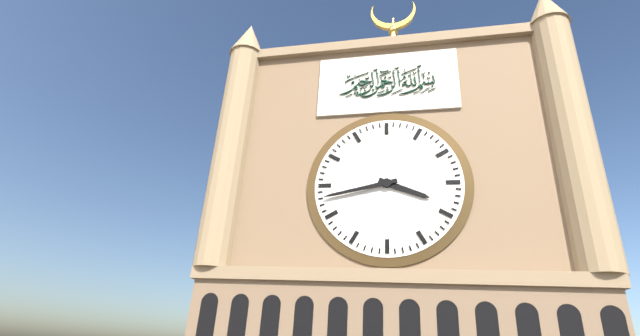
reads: 3,43
